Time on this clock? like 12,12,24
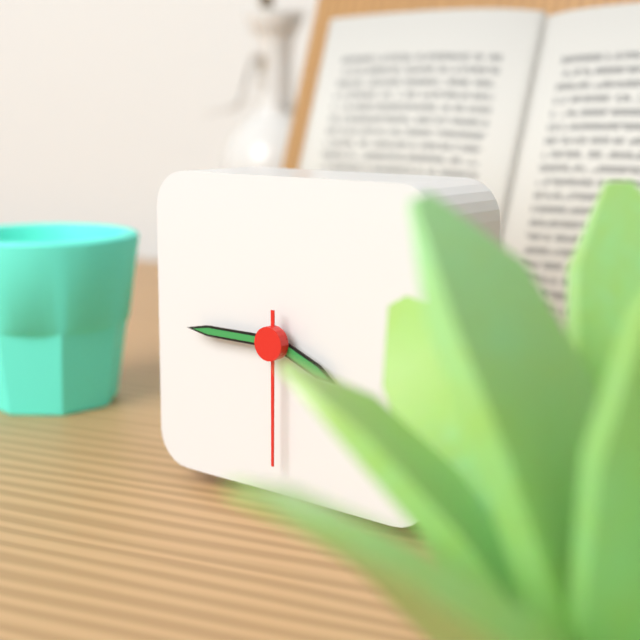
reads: 3,45,30
